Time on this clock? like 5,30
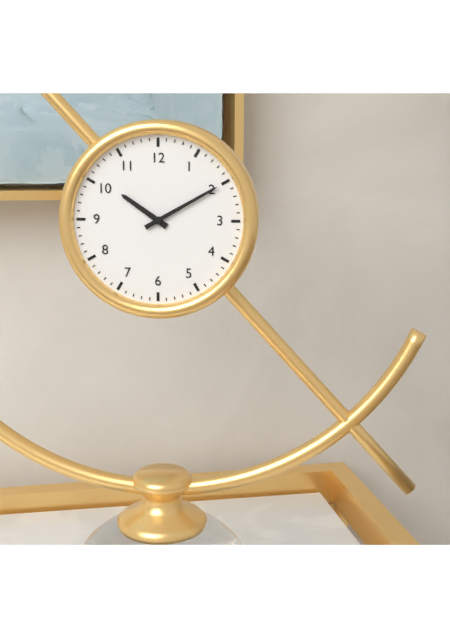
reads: 10,10
